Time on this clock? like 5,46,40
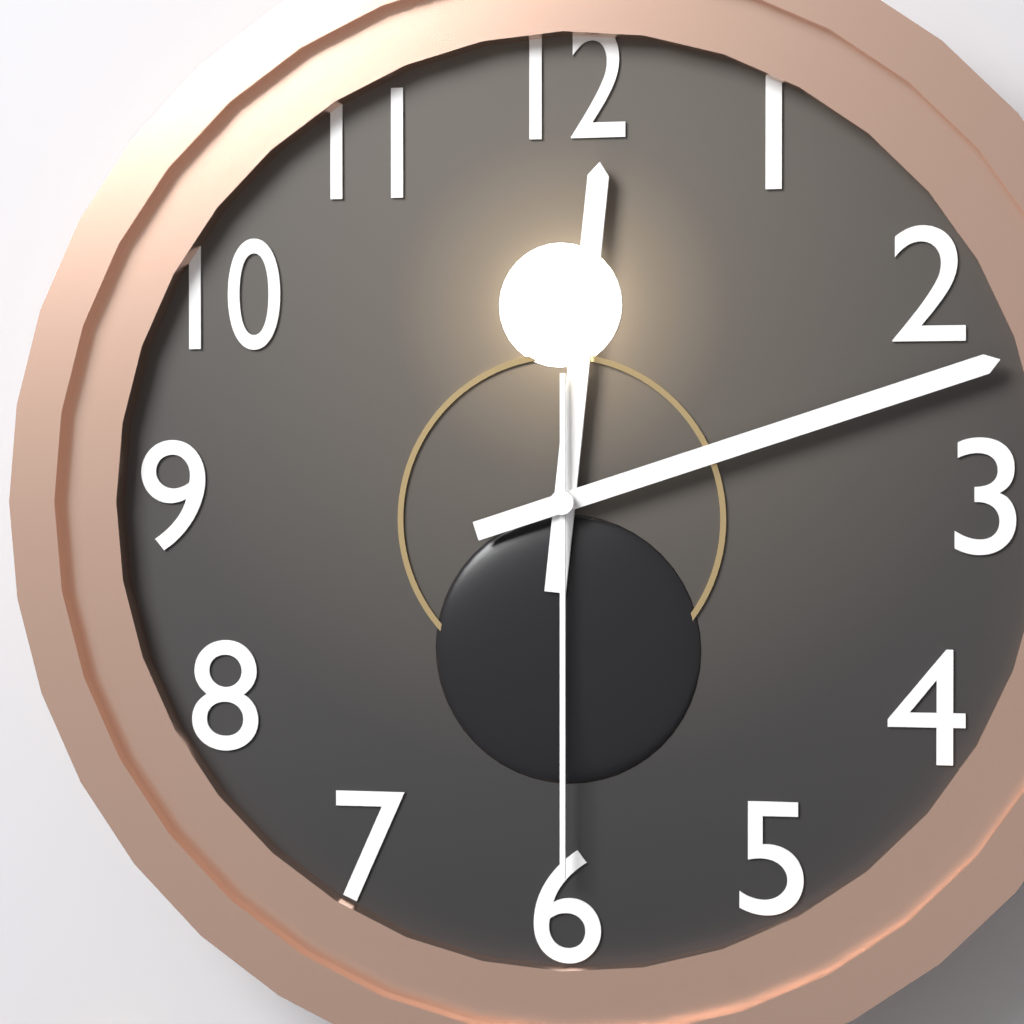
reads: 12,12,30
